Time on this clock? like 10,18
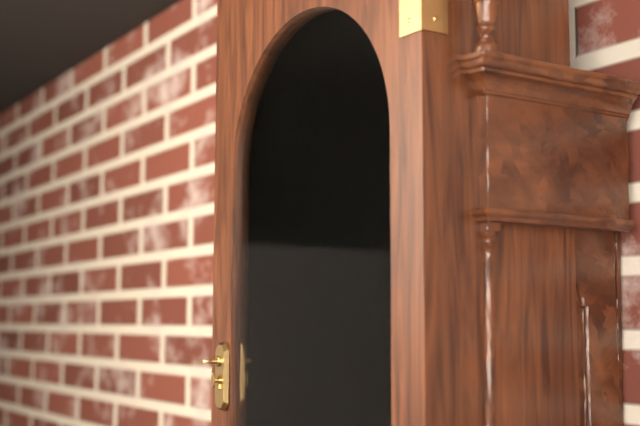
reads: 12,58
